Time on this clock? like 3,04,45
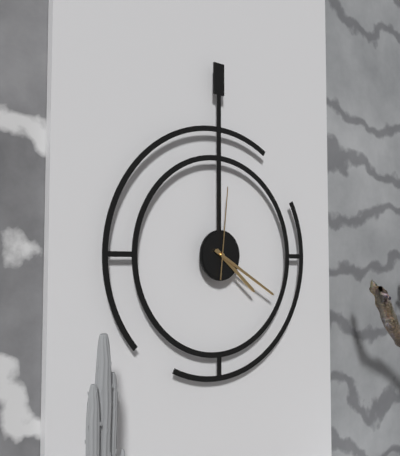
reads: 4,20,01
